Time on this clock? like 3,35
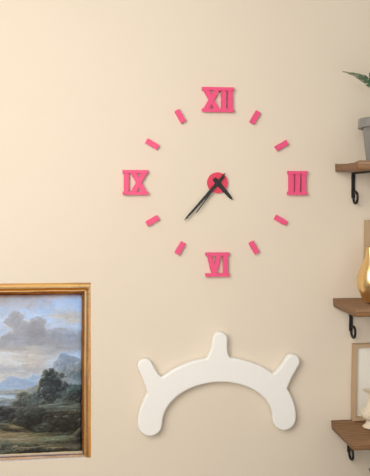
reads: 4,37
